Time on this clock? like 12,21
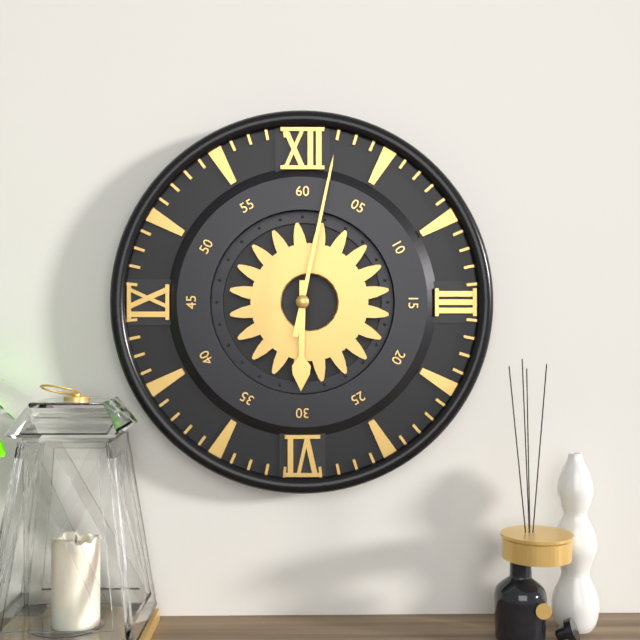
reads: 6,02
